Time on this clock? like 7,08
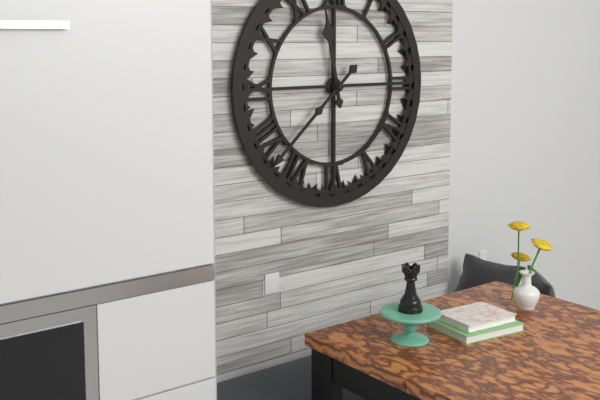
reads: 11,38
